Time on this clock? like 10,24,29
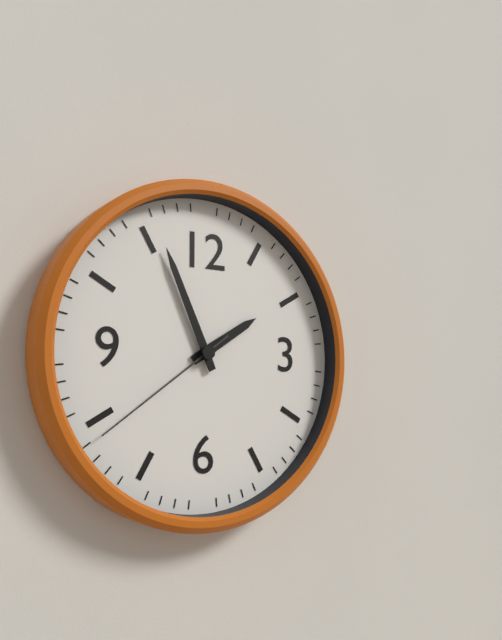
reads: 1,56,39
